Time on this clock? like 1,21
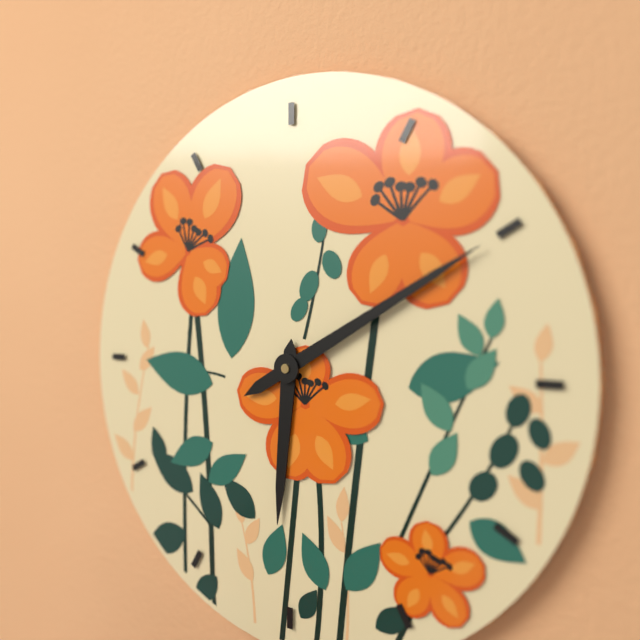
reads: 6,10
